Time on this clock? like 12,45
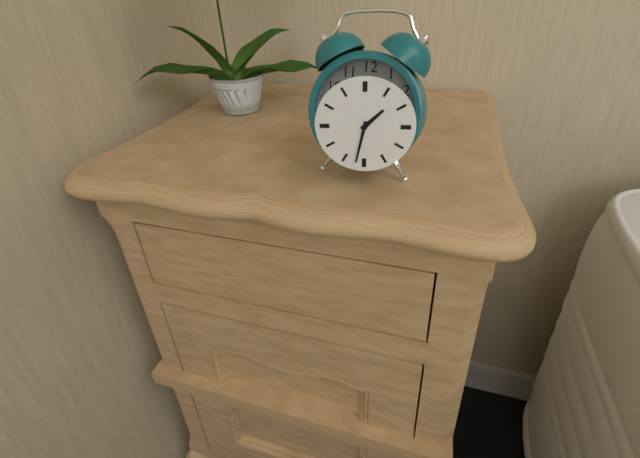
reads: 1,32
